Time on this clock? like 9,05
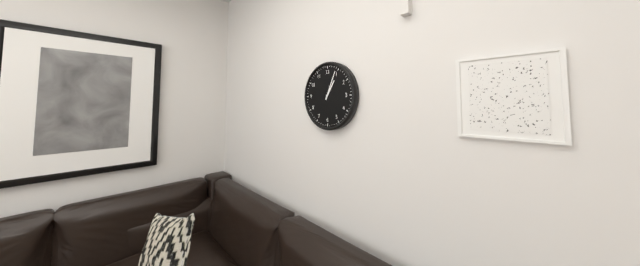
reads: 1,04
